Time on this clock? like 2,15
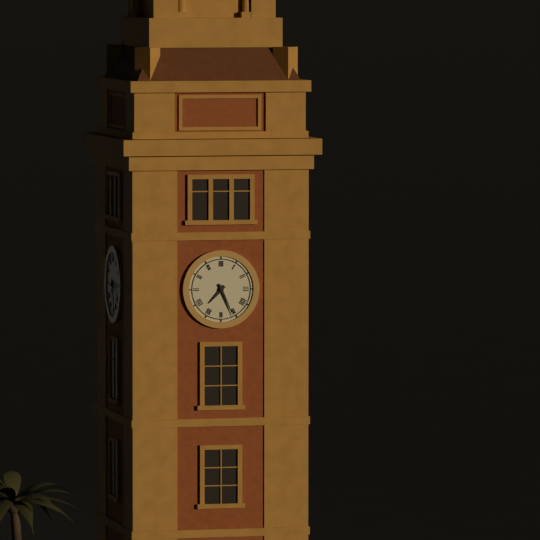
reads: 7,26
